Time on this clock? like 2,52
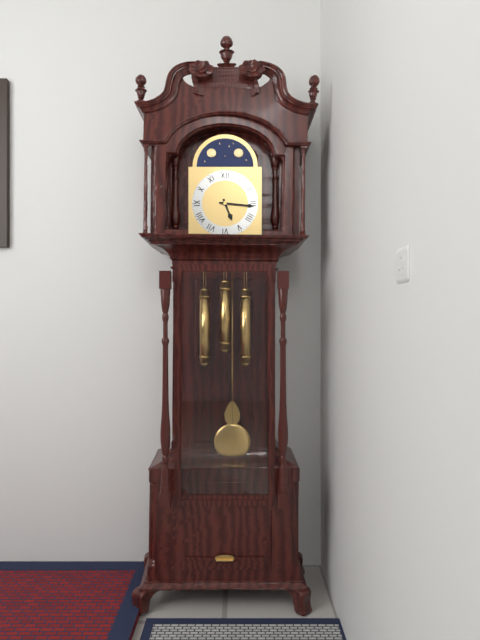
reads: 5,16
